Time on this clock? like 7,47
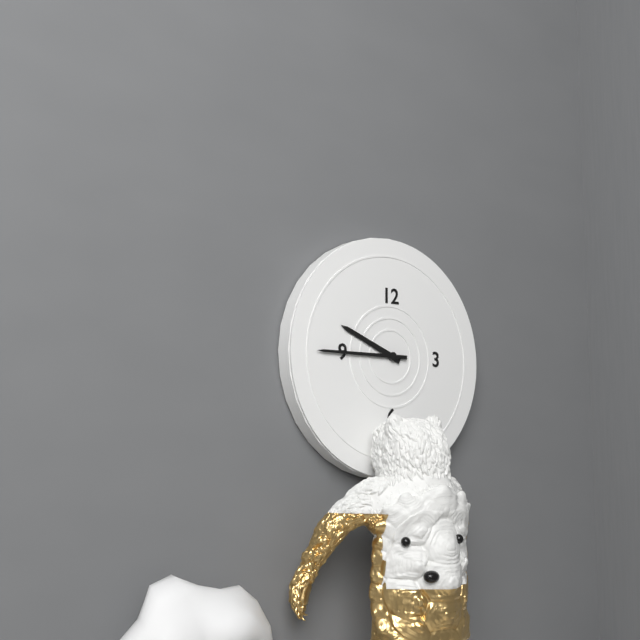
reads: 9,45
